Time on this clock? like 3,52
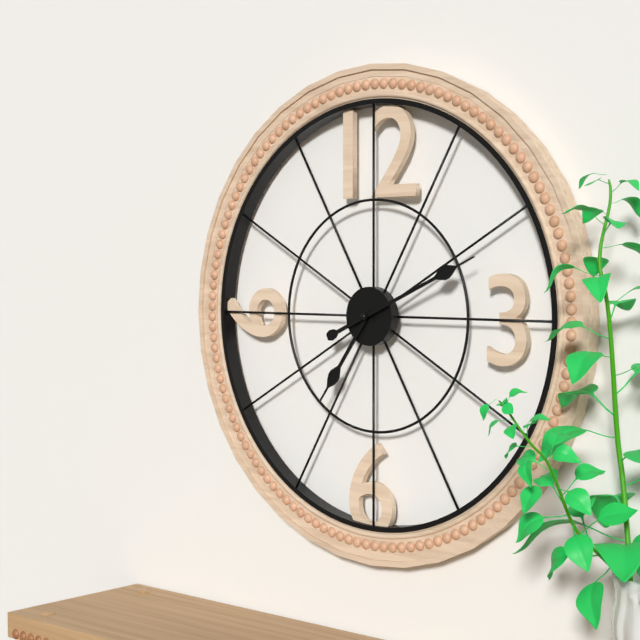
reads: 7,11
